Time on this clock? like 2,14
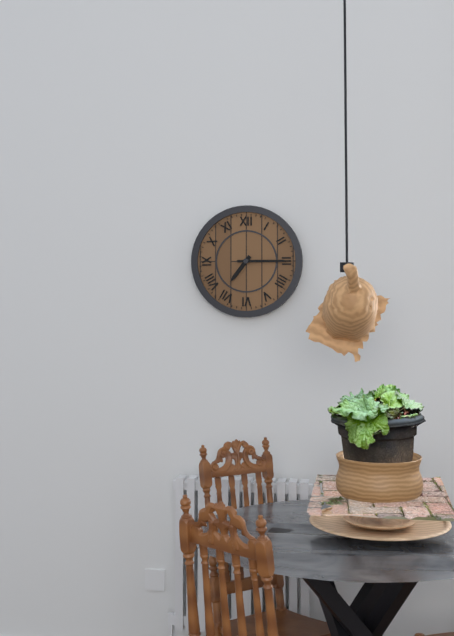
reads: 7,15
